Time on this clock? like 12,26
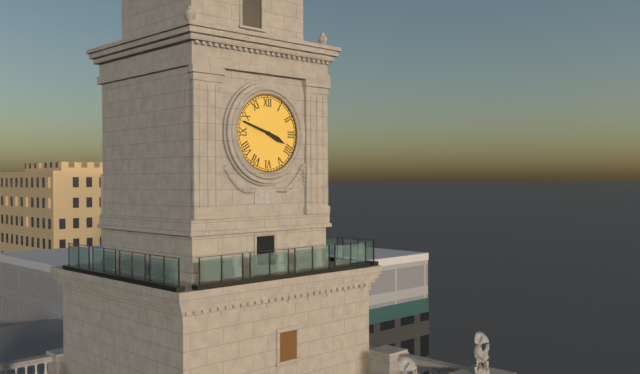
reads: 3,48
